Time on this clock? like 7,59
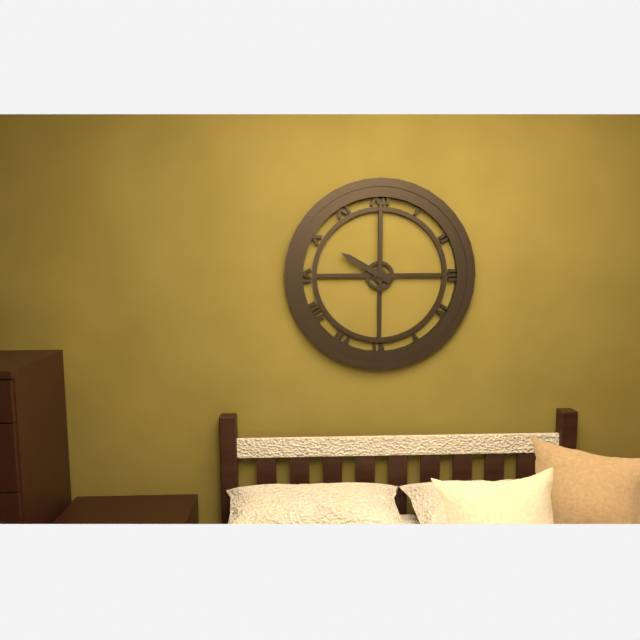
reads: 10,00
